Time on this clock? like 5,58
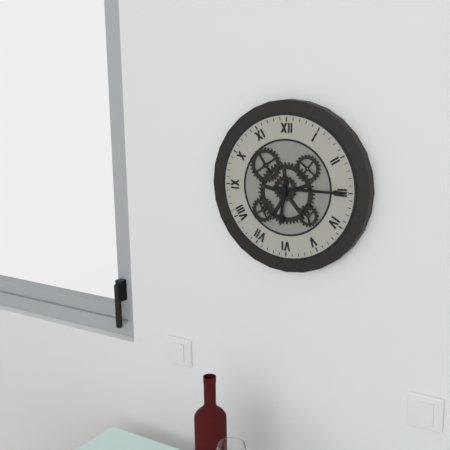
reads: 6,15
